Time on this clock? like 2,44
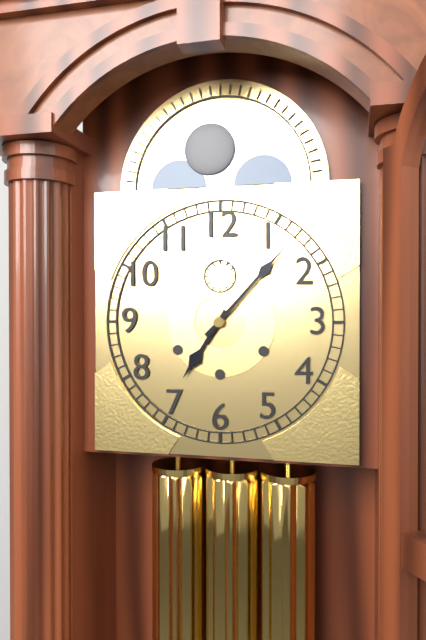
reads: 7,07
